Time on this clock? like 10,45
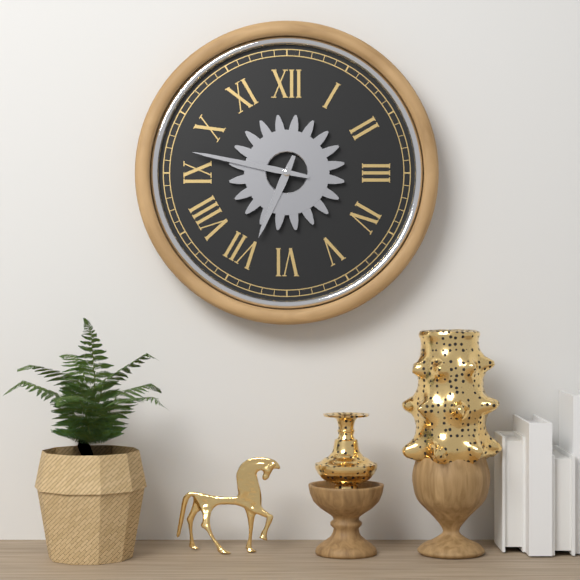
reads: 6,47
